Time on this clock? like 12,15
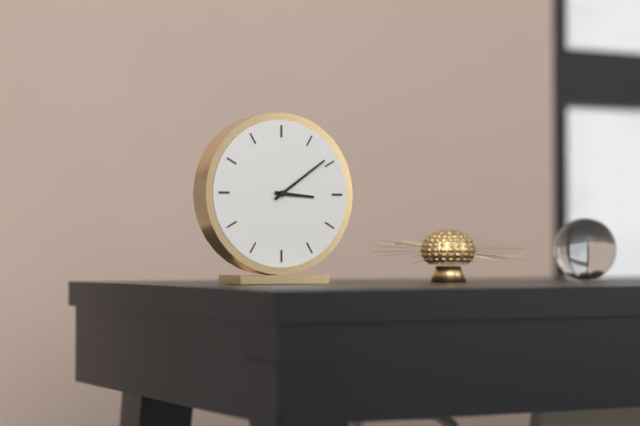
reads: 3,09
